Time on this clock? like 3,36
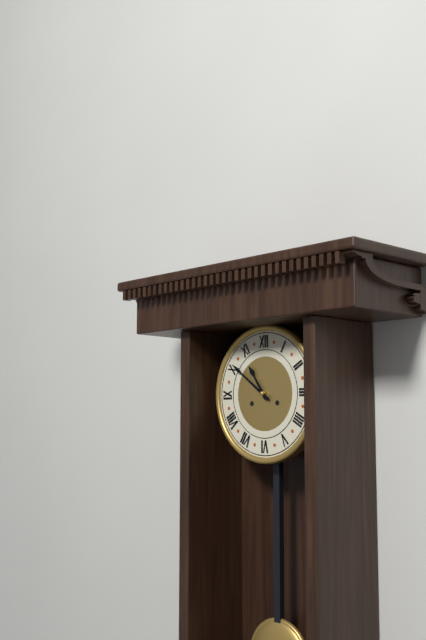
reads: 10,51
